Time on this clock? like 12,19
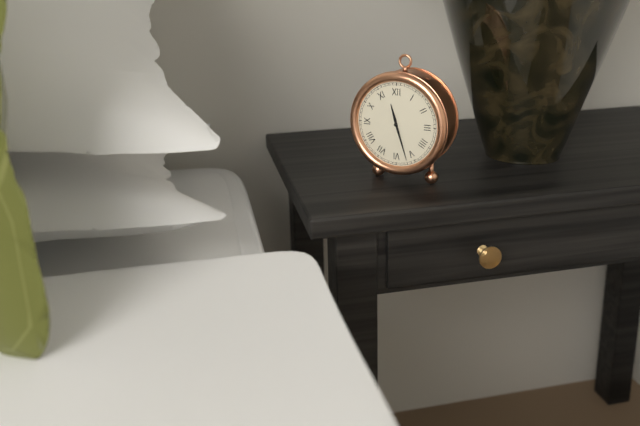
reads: 11,27
